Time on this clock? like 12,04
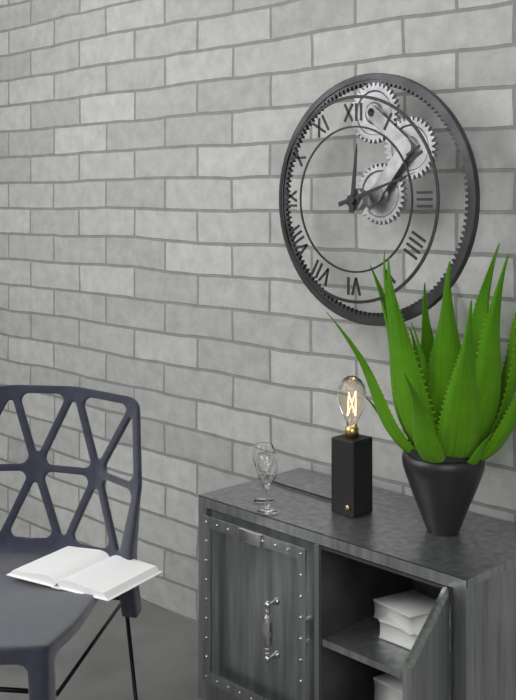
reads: 12,12
